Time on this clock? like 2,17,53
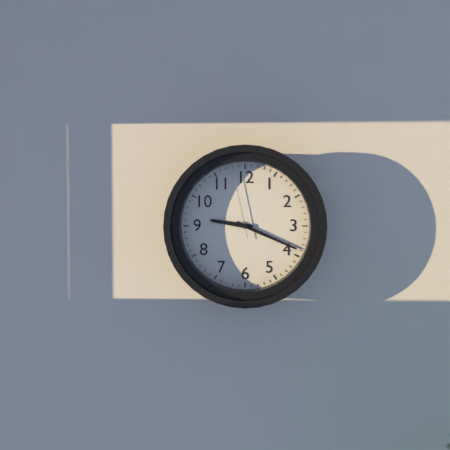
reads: 9,19,58
